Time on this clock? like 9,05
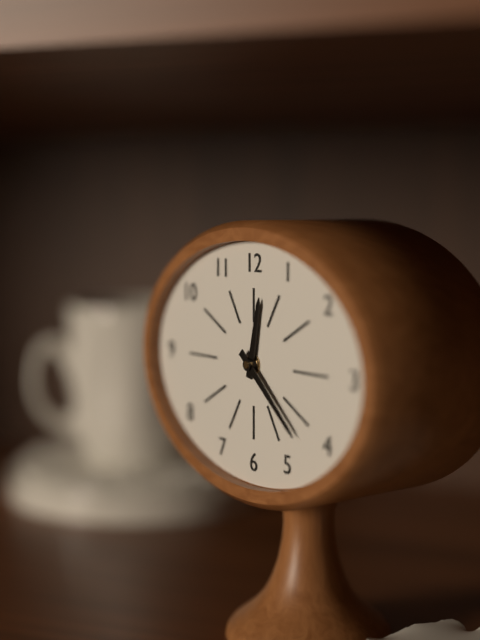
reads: 12,22
